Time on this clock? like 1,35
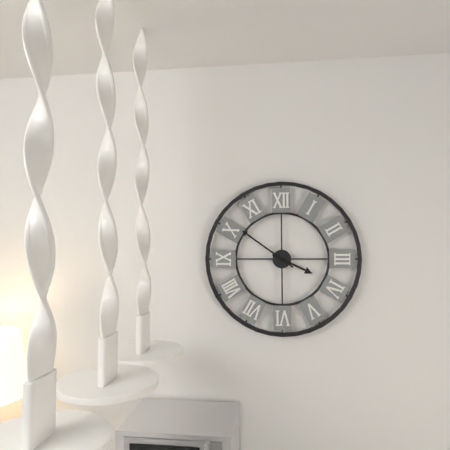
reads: 3,51
